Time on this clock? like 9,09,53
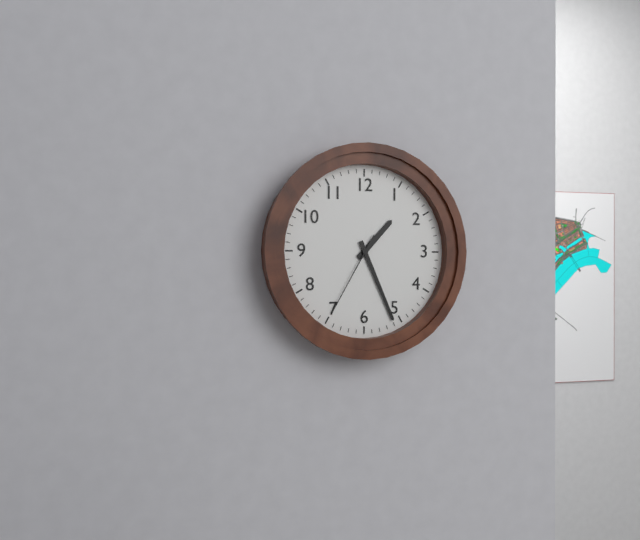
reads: 1,26,35
